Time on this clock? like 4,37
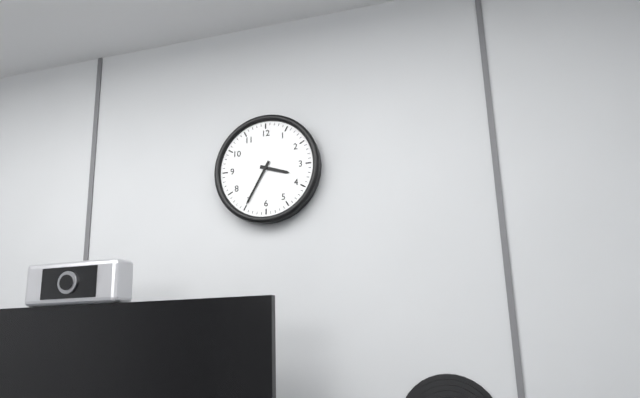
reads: 3,35
